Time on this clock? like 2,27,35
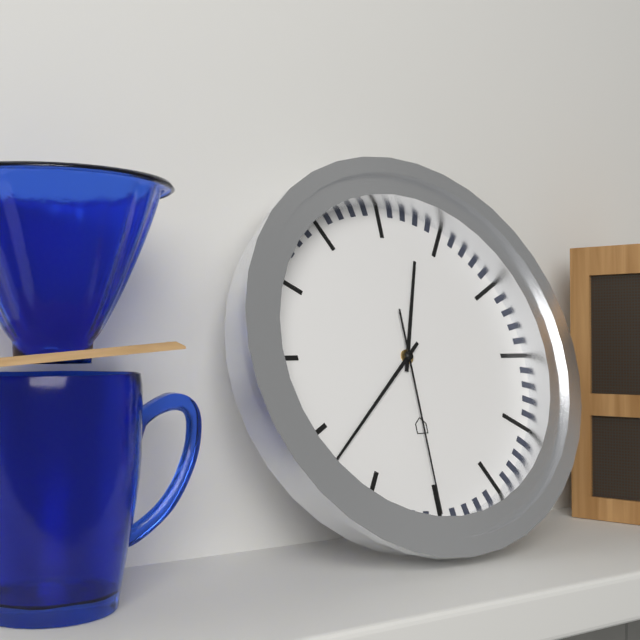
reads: 12,38,30
